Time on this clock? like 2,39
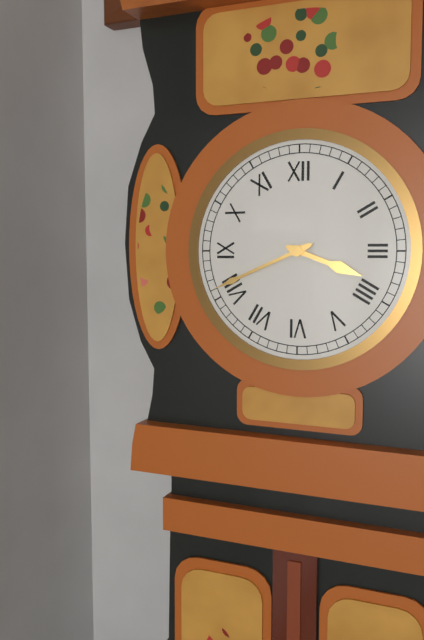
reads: 3,41
